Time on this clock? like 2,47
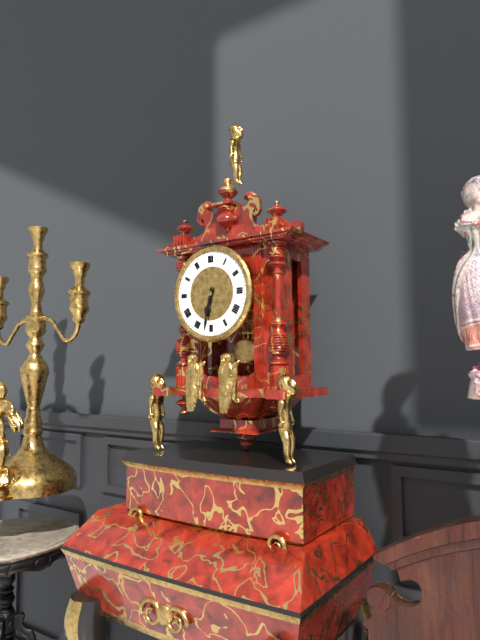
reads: 6,32
